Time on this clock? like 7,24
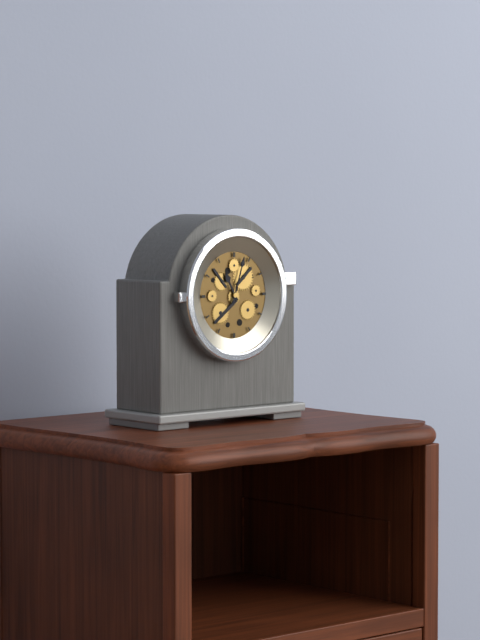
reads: 11,03
